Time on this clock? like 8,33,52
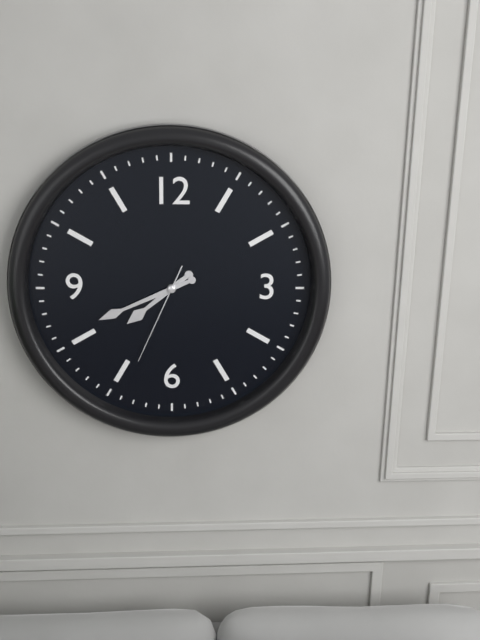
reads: 7,41,34
